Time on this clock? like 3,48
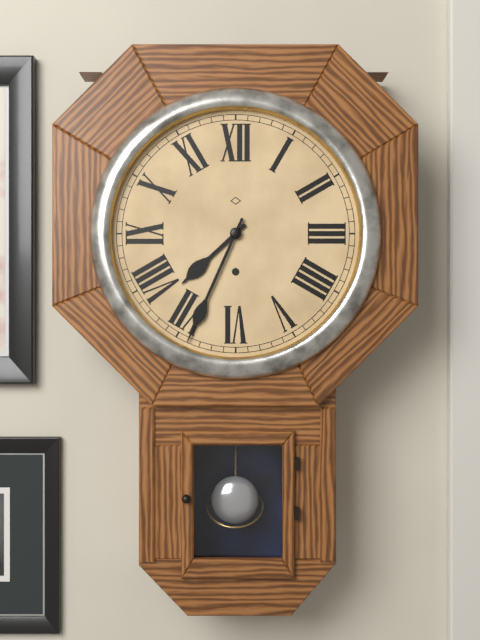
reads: 7,34
